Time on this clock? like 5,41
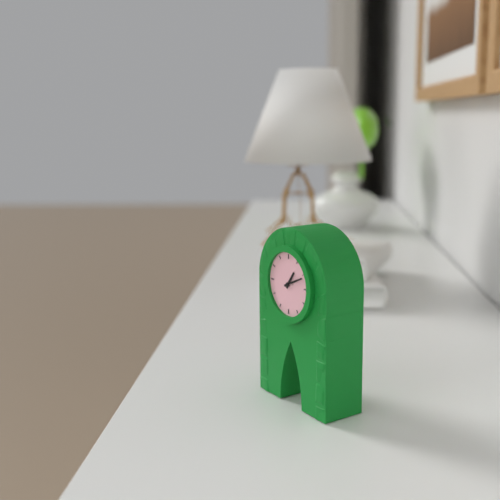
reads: 1,11
